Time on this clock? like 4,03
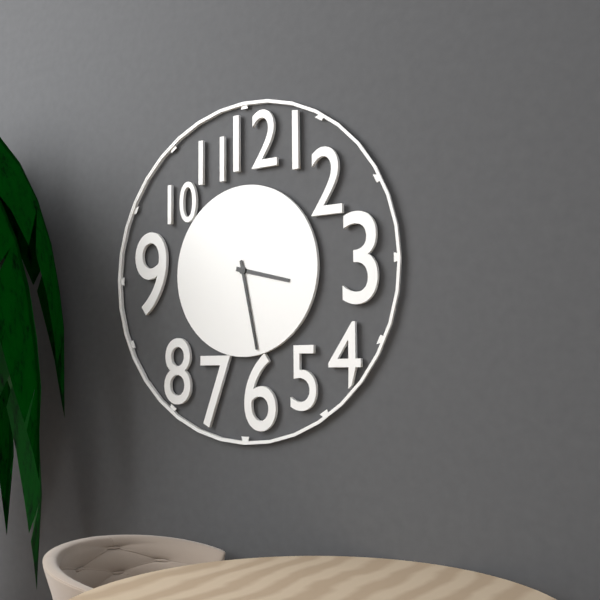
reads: 3,28
